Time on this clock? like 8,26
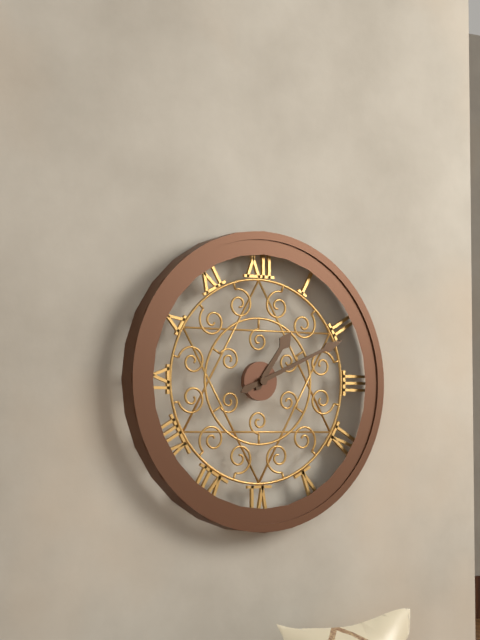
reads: 1,11
